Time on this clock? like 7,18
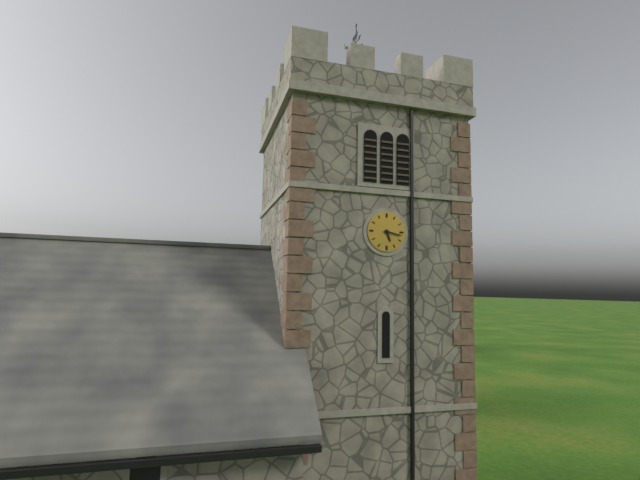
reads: 5,17
